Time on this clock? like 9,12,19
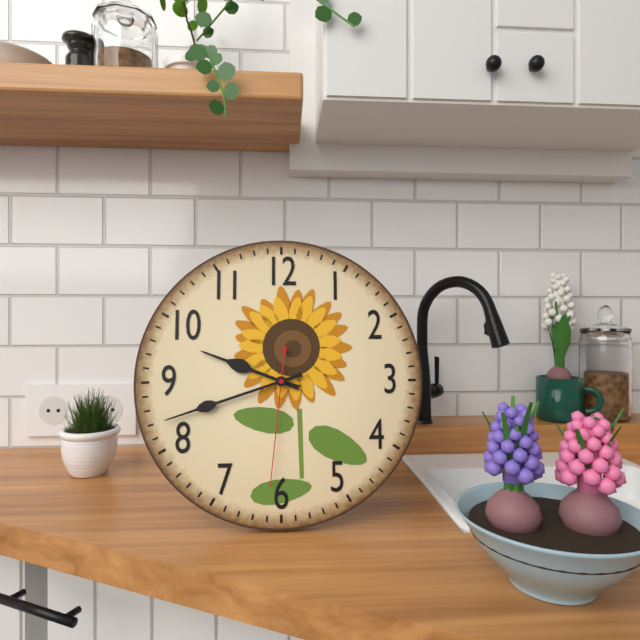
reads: 9,42,31
